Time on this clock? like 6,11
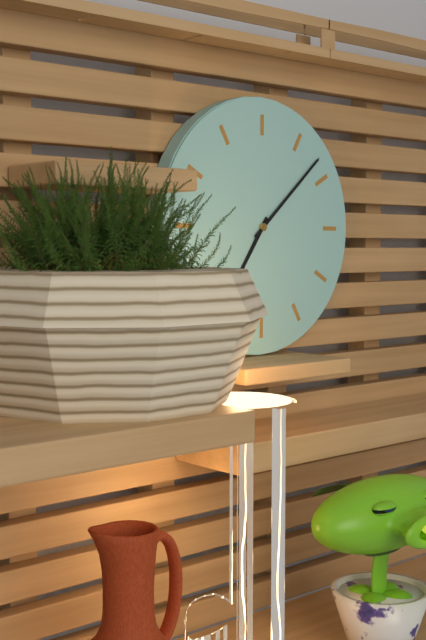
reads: 7,08
